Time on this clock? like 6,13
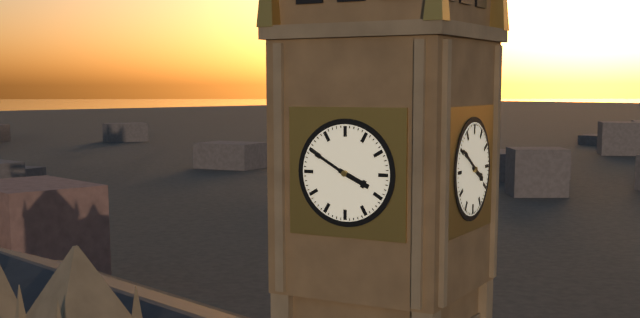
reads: 3,50
